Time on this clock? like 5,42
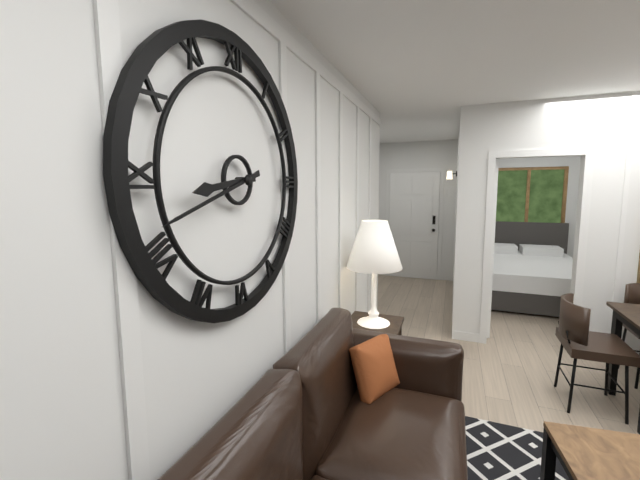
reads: 8,42
